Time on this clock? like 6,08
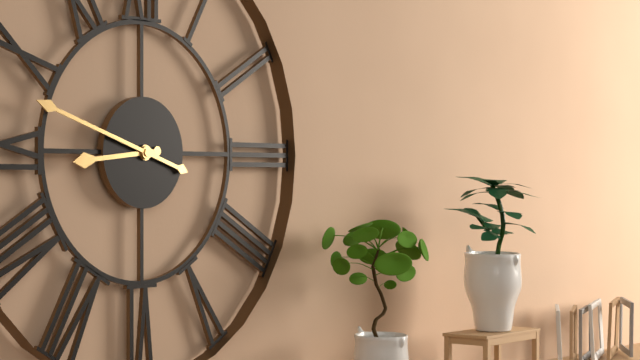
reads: 8,48
